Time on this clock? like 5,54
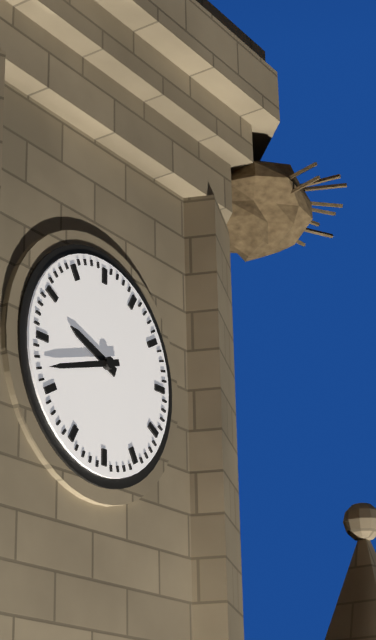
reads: 9,42
